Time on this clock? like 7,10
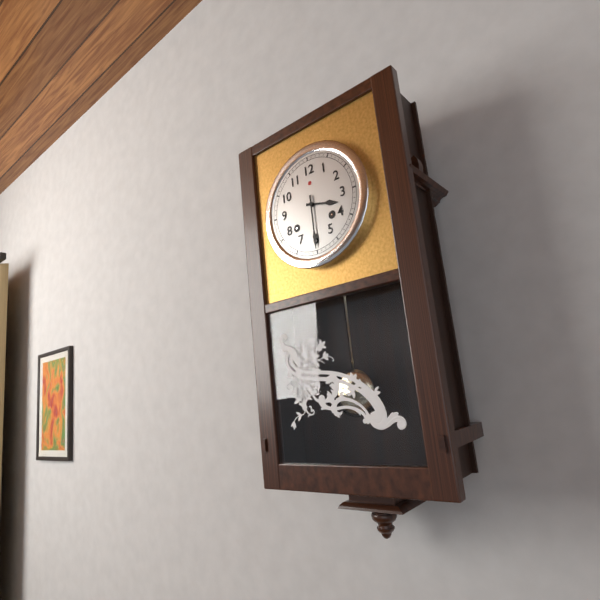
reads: 3,30
